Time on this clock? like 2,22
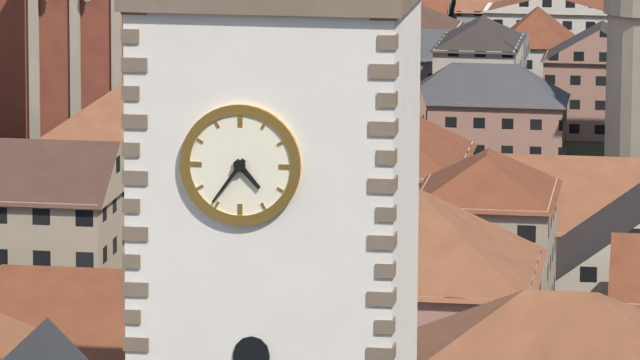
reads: 4,36
